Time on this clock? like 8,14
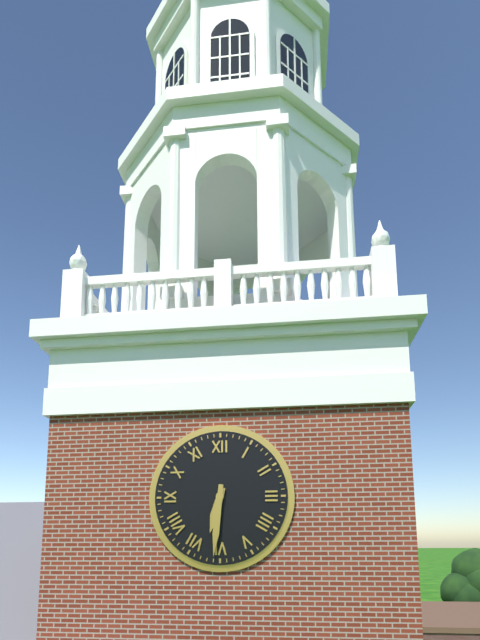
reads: 6,31
